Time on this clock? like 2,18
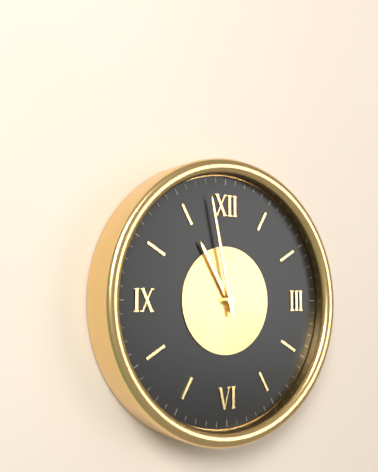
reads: 10,58
